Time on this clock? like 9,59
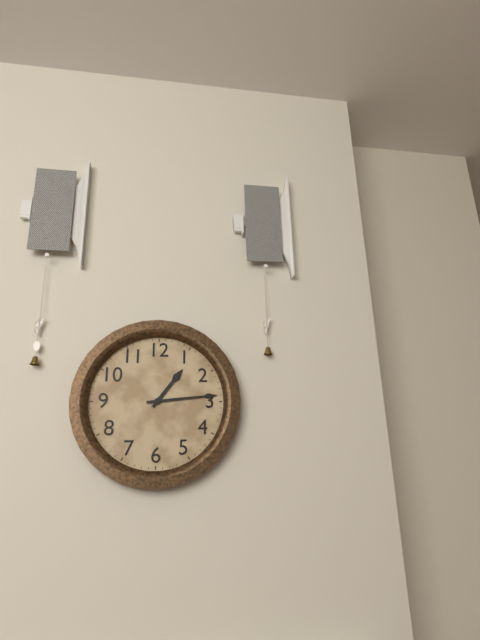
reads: 1,14
